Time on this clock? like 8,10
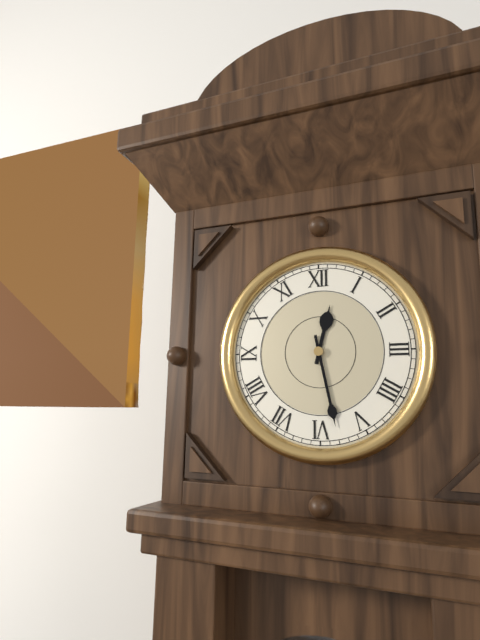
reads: 12,28
